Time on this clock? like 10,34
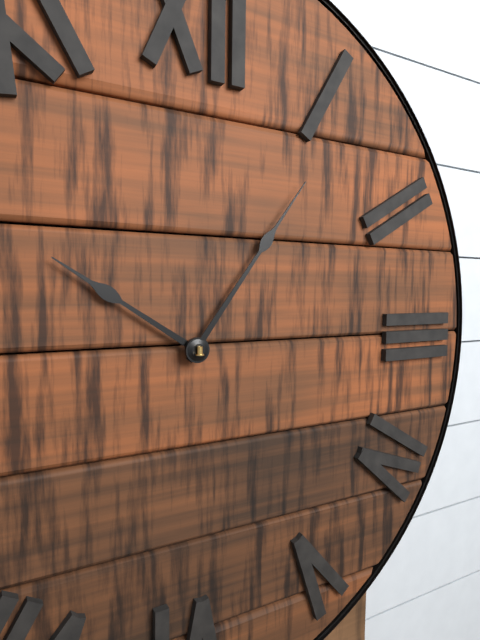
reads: 10,06
